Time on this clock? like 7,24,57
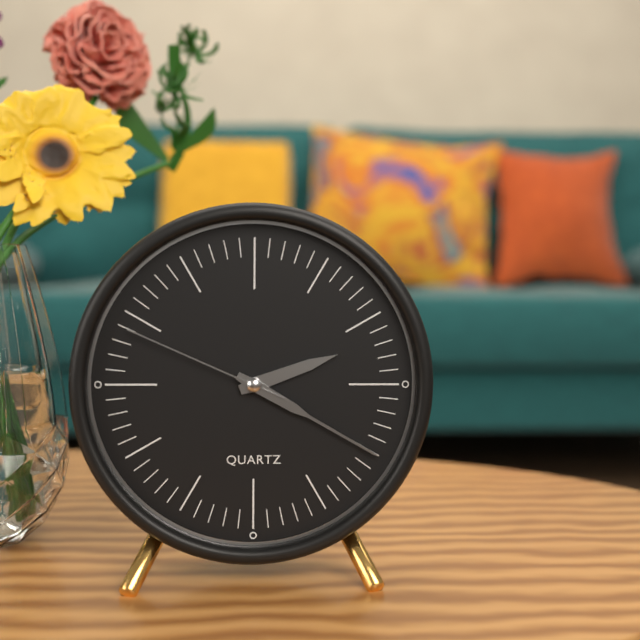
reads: 2,20,49
